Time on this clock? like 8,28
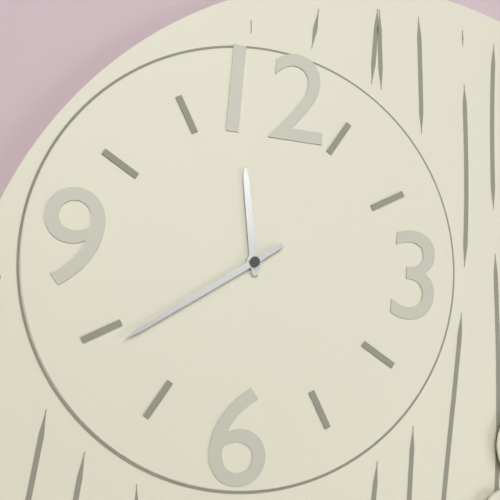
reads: 11,39
